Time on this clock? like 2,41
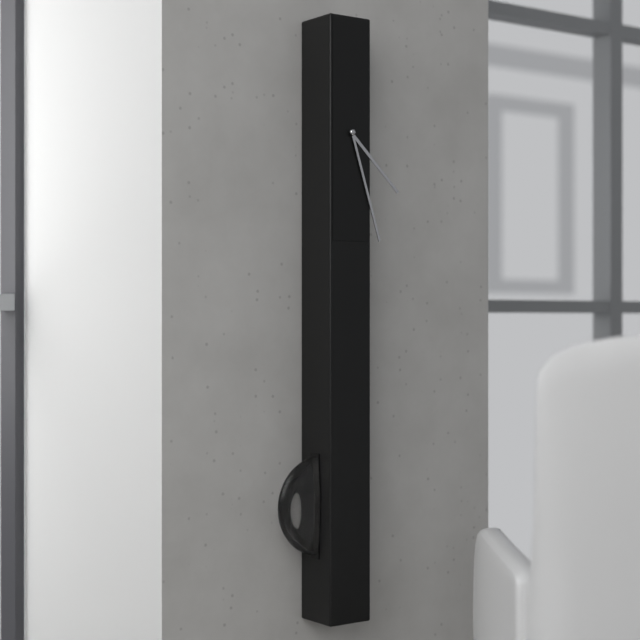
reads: 4,27
